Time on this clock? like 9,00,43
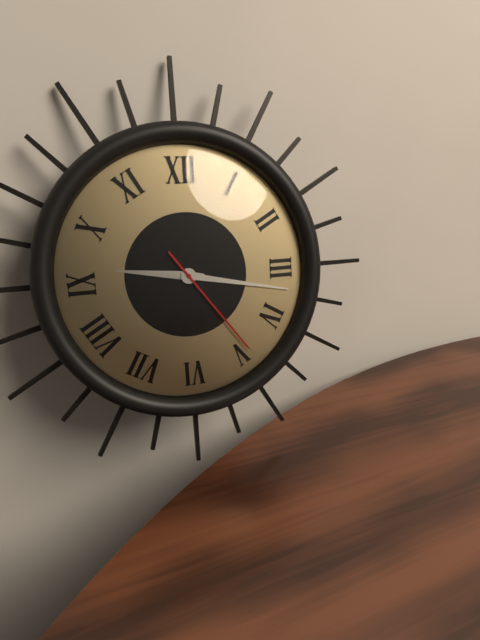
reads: 9,17,24
